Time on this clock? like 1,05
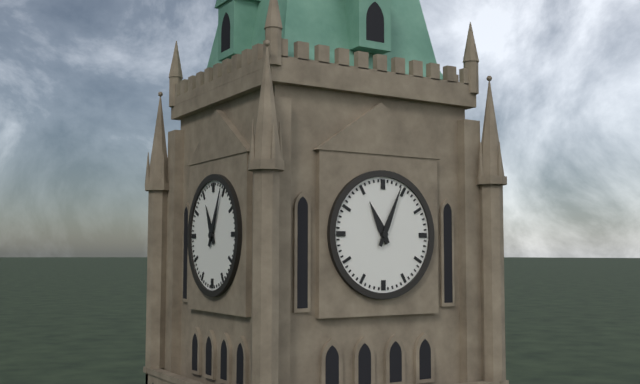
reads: 11,04
